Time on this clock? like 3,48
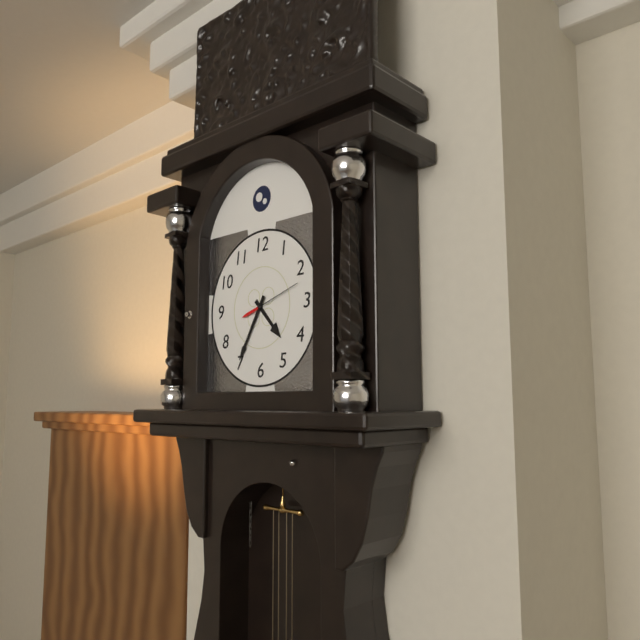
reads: 4,35
